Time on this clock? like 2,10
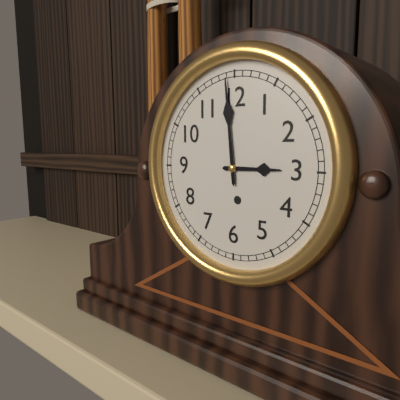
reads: 2,59
